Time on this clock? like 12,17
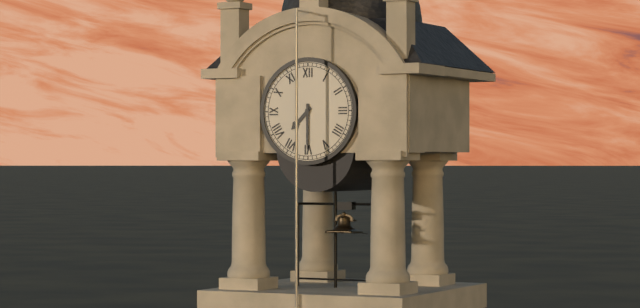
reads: 7,30
